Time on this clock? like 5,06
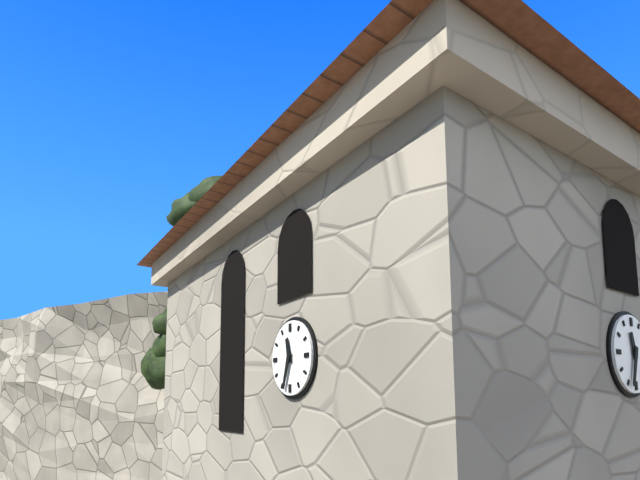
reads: 11,33
